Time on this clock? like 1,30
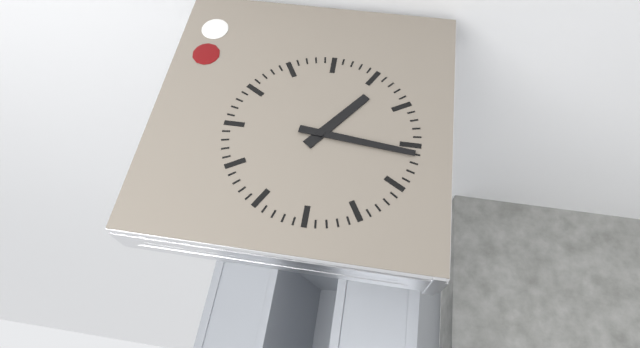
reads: 1,16
